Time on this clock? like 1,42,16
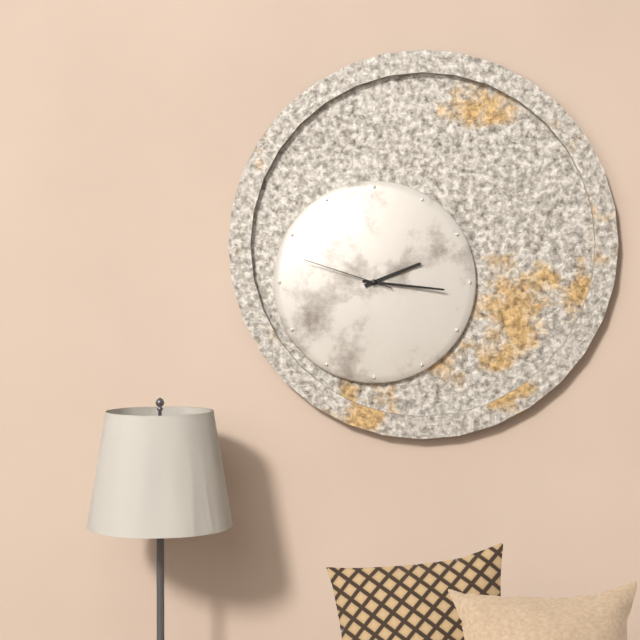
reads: 2,16,48
